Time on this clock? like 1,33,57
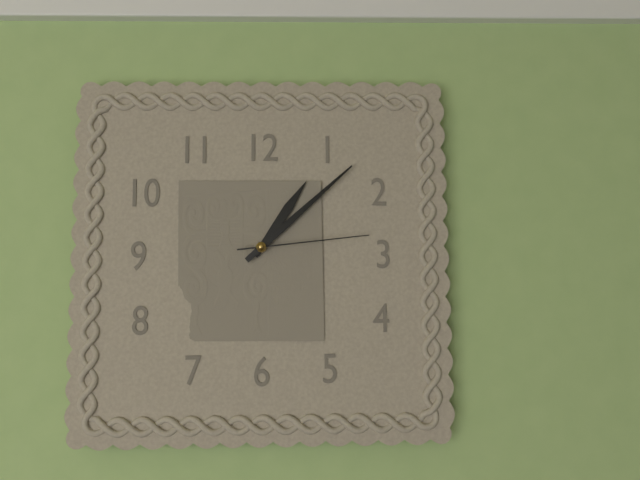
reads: 1,08,14
